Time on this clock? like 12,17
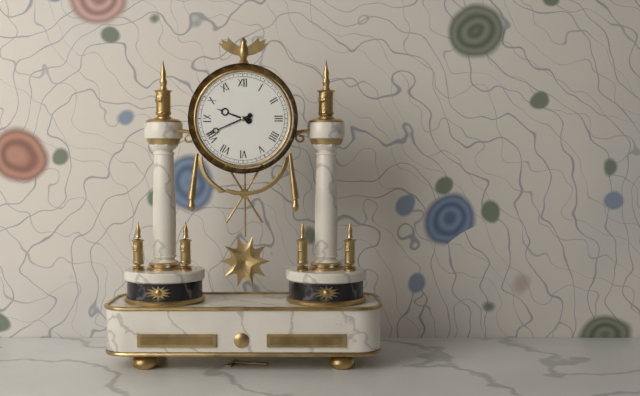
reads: 9,41
